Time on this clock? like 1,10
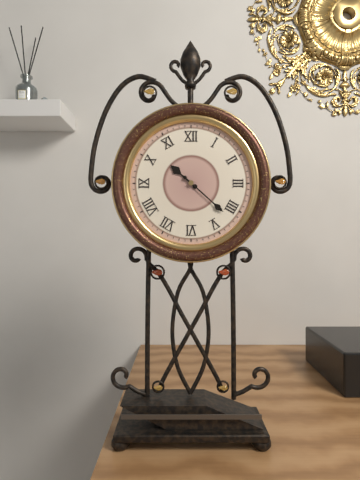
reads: 10,22
